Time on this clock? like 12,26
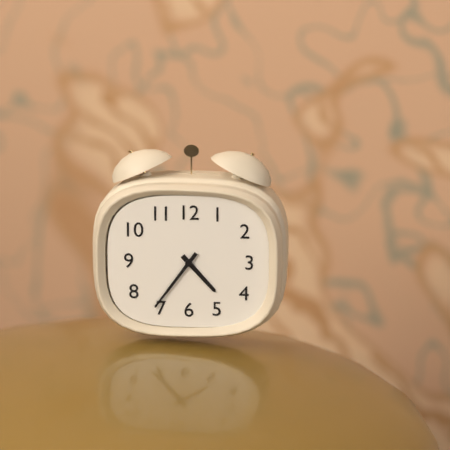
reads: 4,36
